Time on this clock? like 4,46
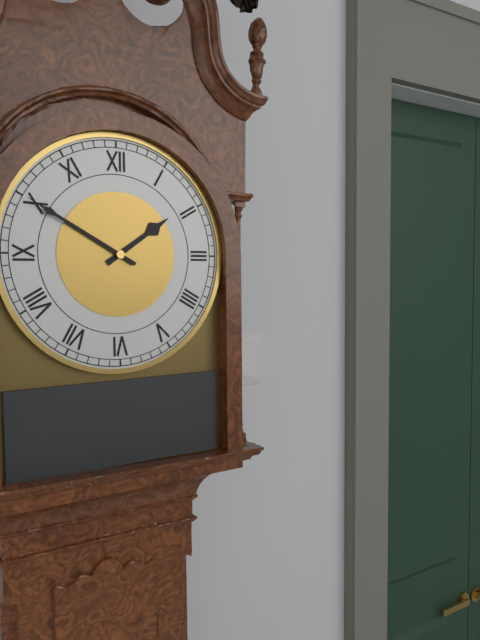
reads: 1,50
